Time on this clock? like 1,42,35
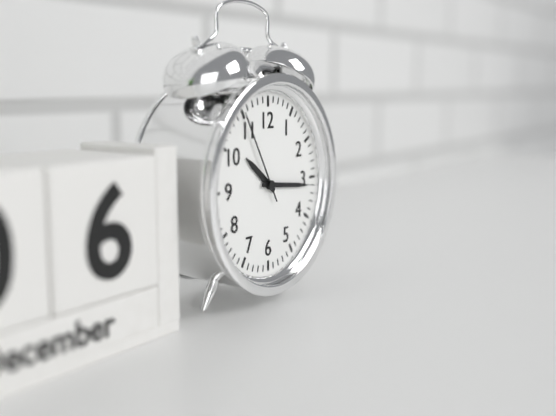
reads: 10,16,55
